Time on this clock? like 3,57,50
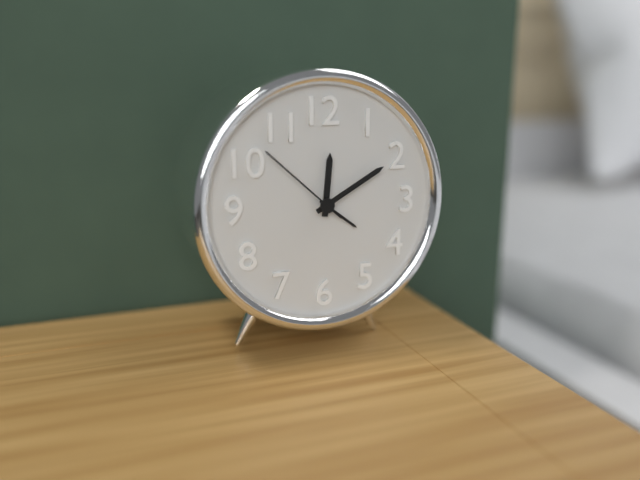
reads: 12,10,52
